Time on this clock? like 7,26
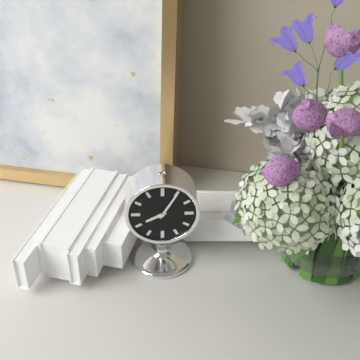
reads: 8,05
